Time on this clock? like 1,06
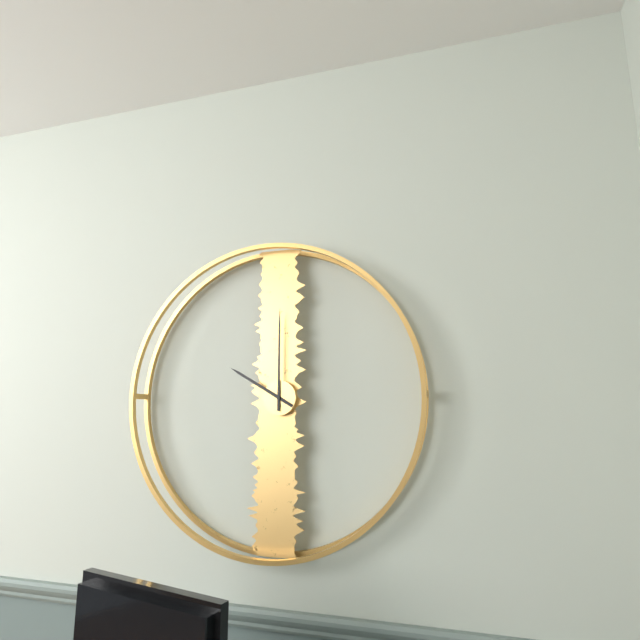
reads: 10,00
